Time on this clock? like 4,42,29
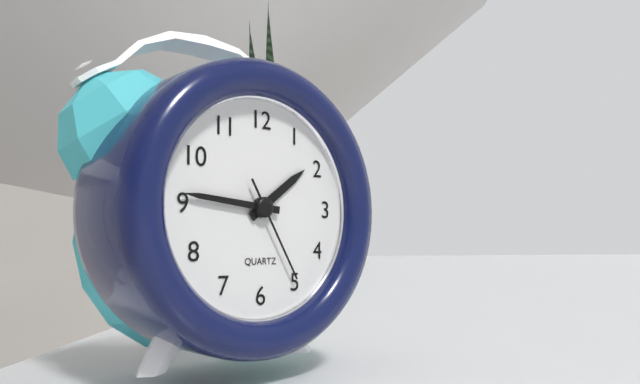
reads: 1,46,25
